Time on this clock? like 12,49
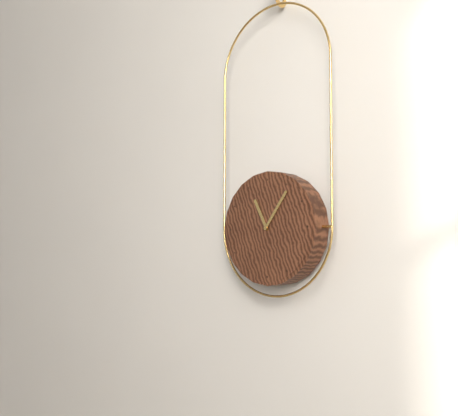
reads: 11,06
